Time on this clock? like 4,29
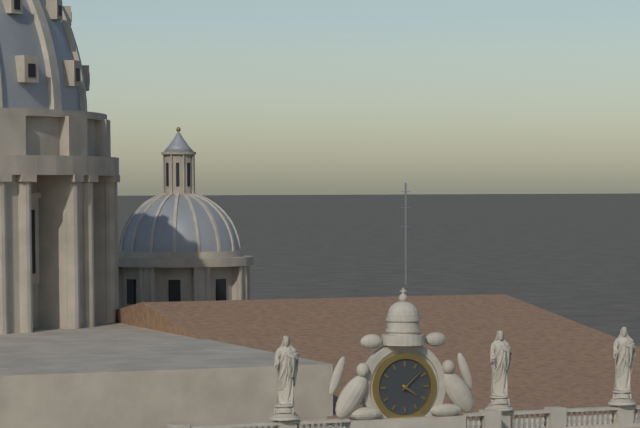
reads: 4,08
